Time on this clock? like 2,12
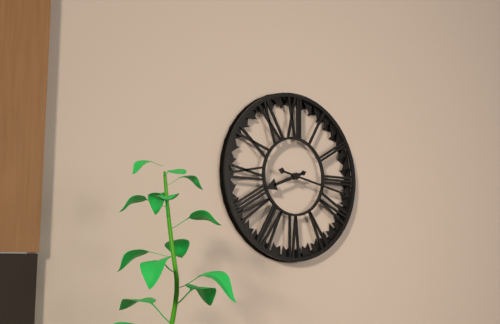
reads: 8,17
